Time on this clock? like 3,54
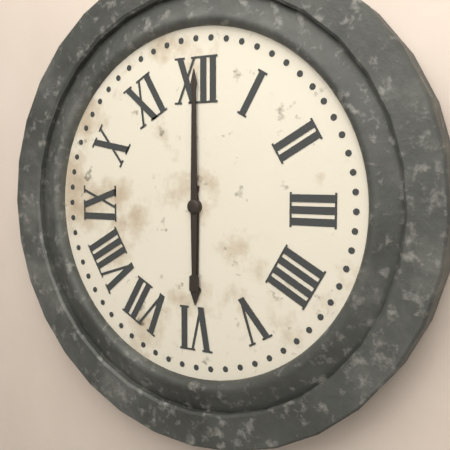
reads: 6,00
